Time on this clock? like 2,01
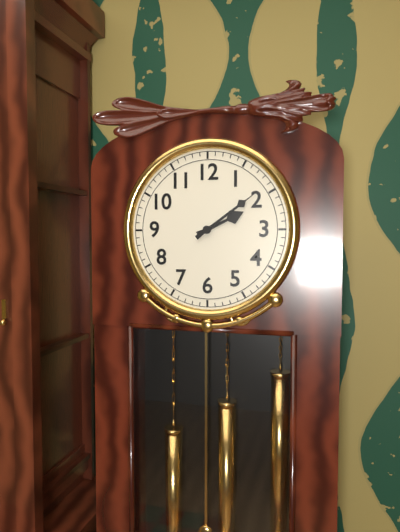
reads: 2,09
